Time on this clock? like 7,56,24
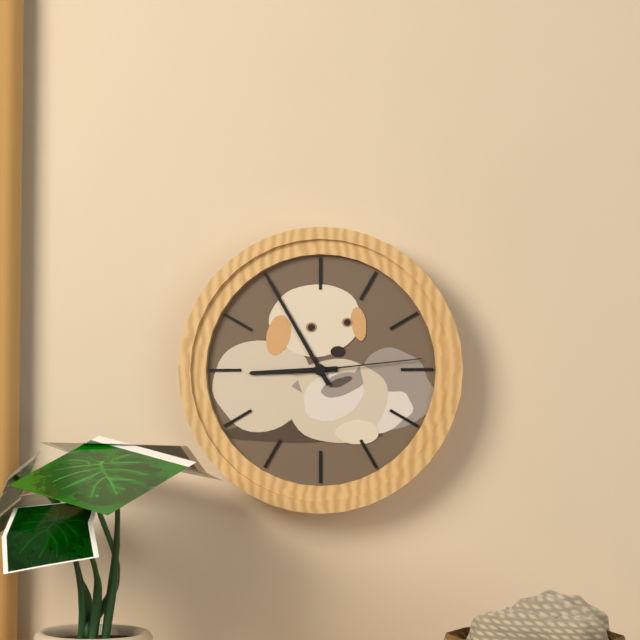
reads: 8,55,14
